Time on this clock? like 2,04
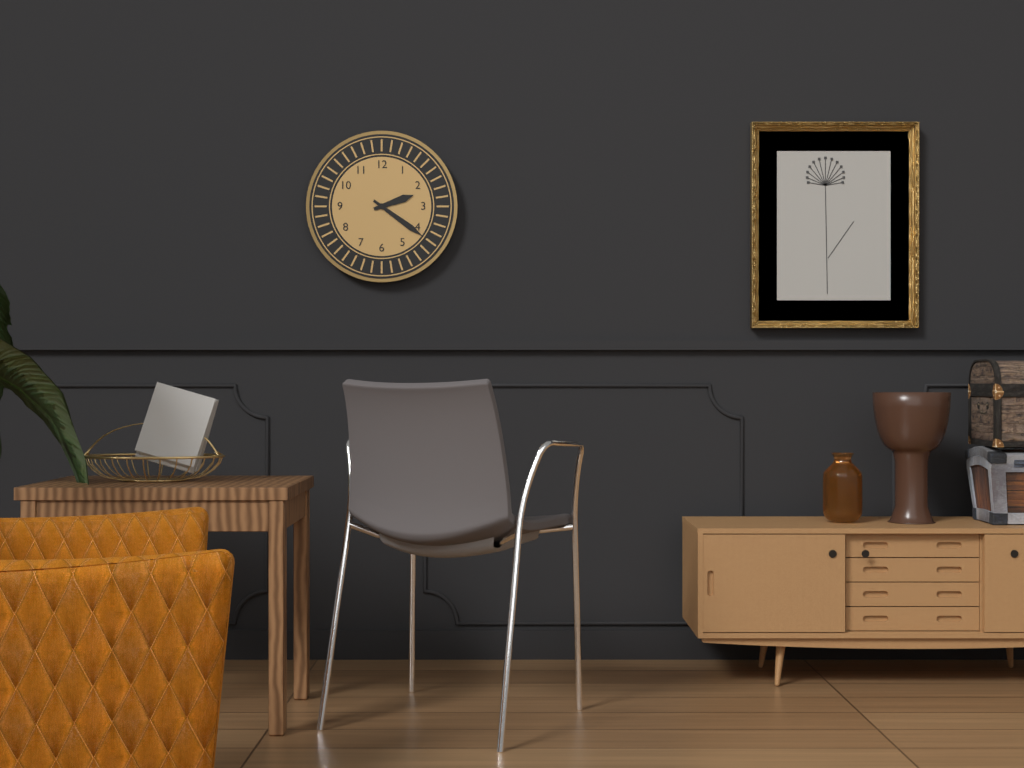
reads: 2,21
